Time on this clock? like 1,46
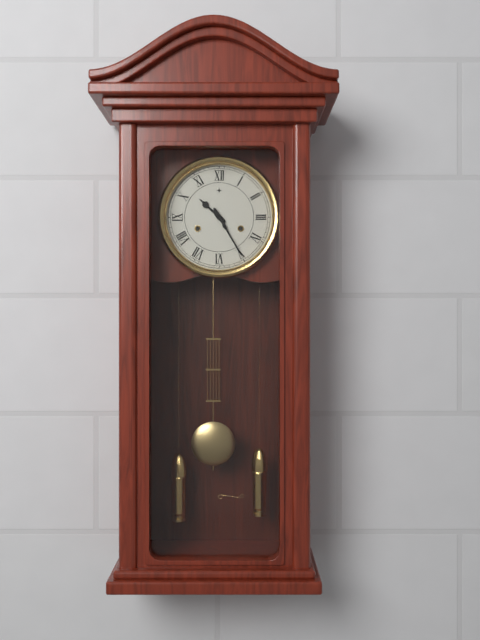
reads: 10,25
